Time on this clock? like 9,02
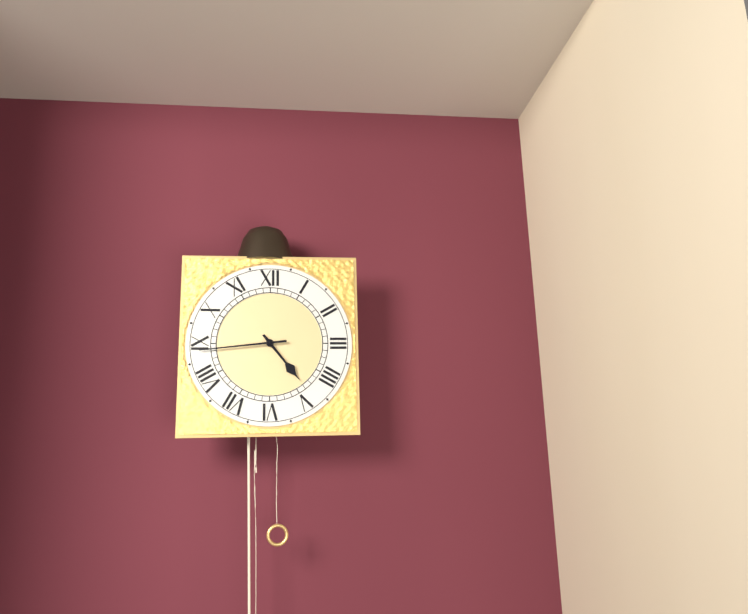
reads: 4,44
